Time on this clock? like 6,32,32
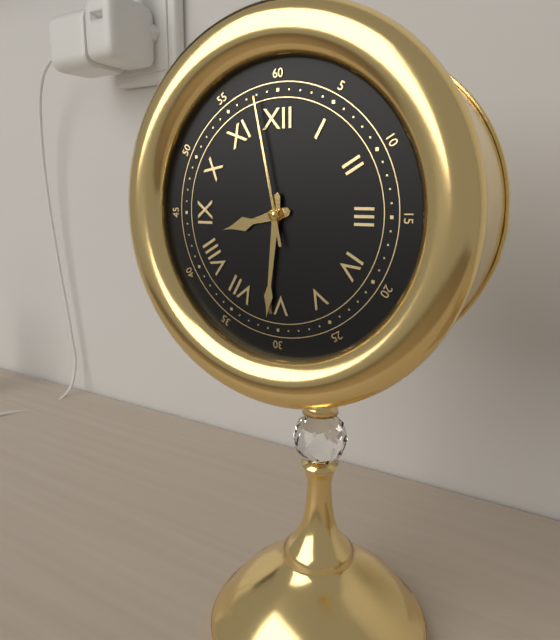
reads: 8,31,58
